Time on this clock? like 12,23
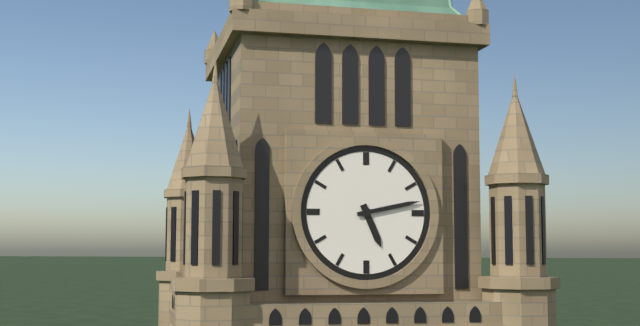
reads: 5,13
